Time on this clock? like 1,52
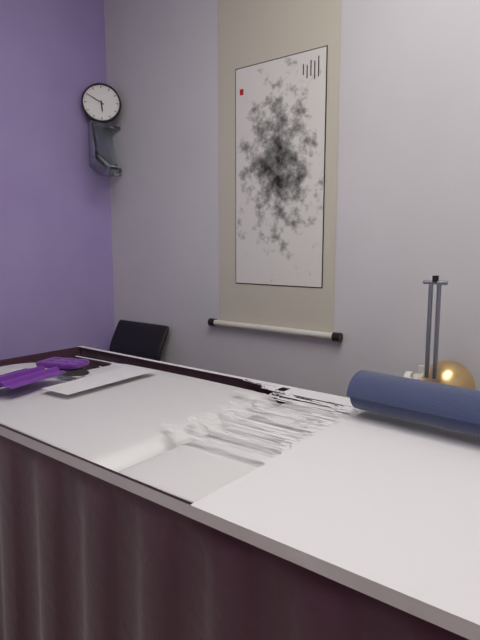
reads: 5,50
